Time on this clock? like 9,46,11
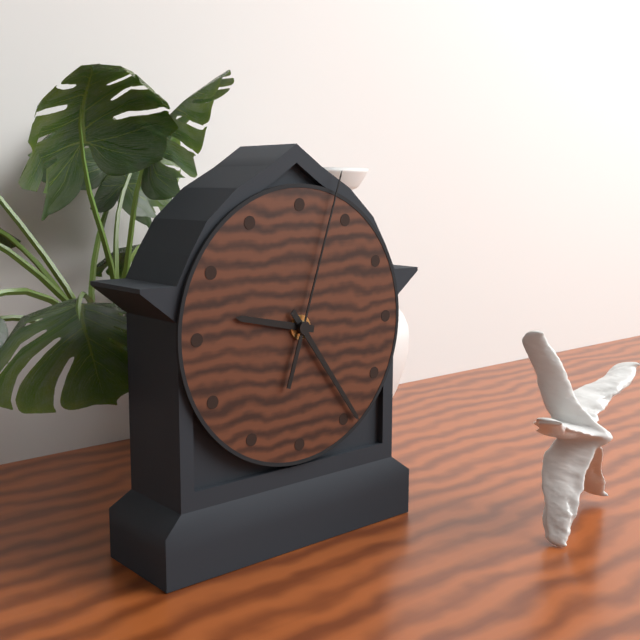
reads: 9,24,03
